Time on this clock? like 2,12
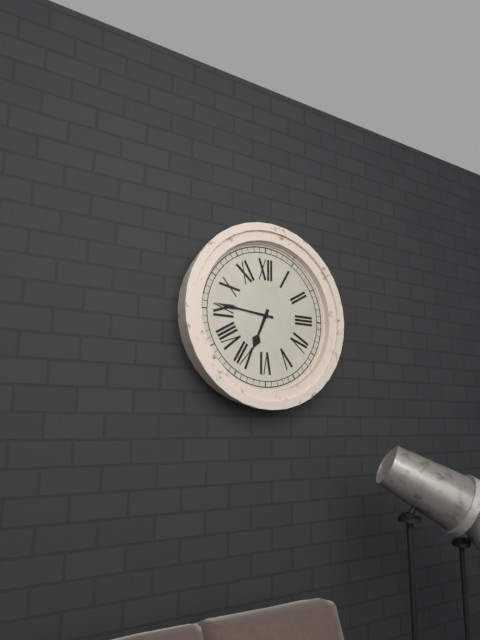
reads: 6,46
